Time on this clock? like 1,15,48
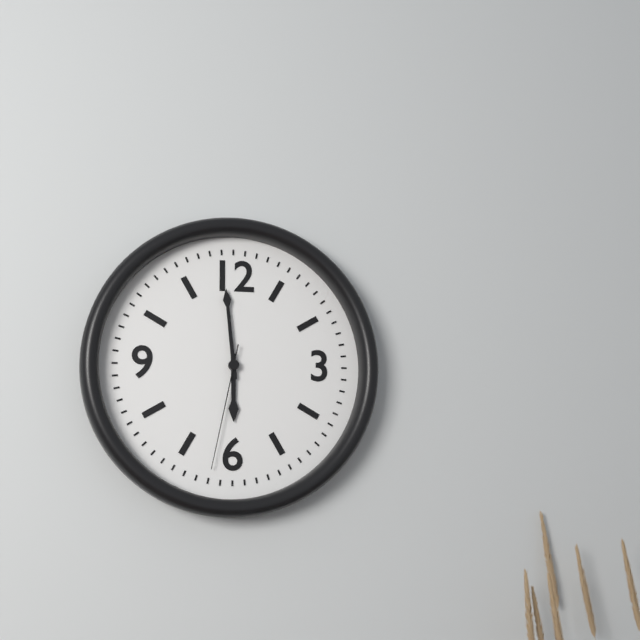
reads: 5,59,32
